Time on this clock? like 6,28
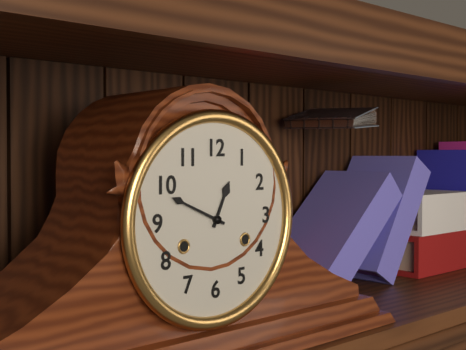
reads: 12,49
